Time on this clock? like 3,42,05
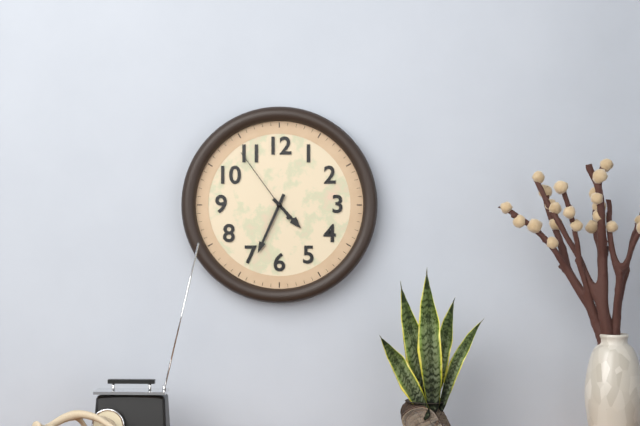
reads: 4,34,54
